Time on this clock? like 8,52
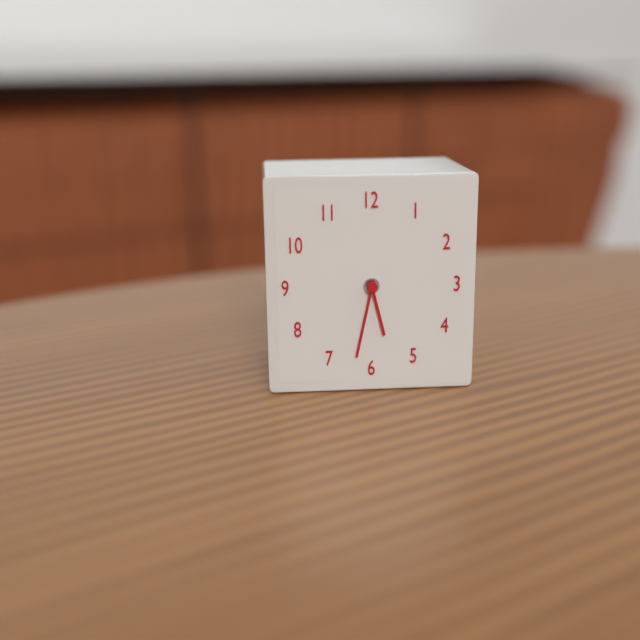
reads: 5,32
